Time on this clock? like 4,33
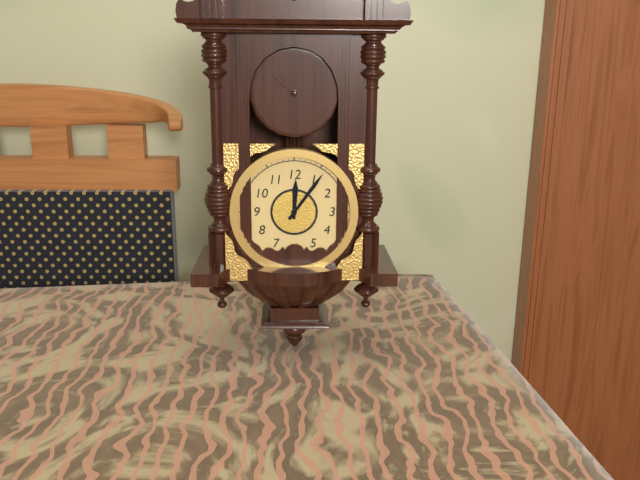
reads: 12,06
